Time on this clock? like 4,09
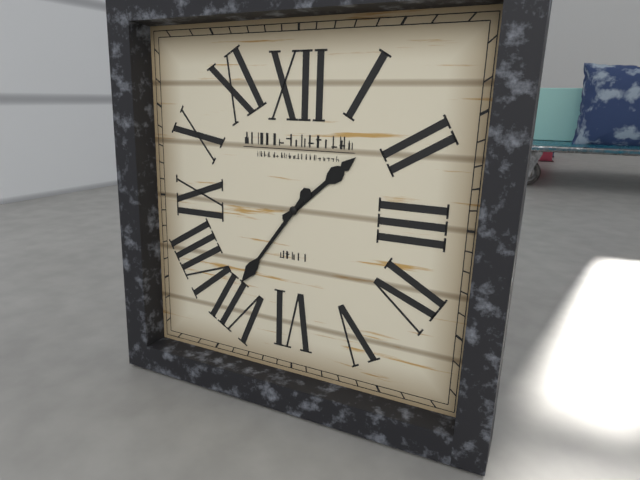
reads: 1,36
